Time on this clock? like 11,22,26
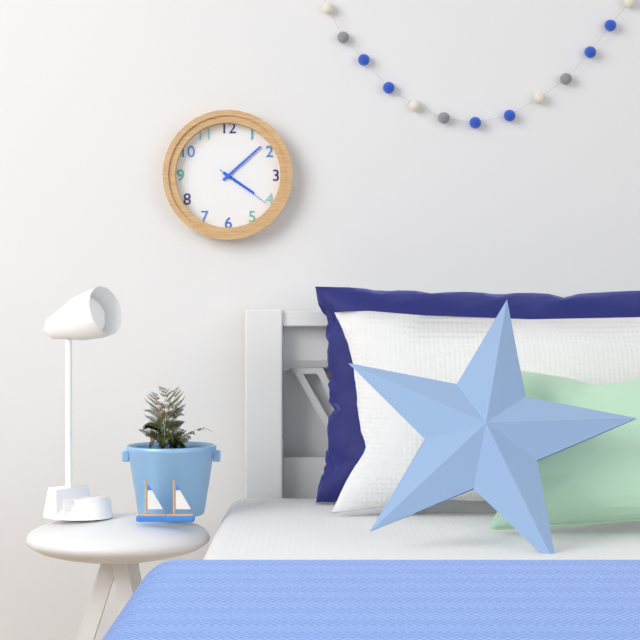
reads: 4,08,21
